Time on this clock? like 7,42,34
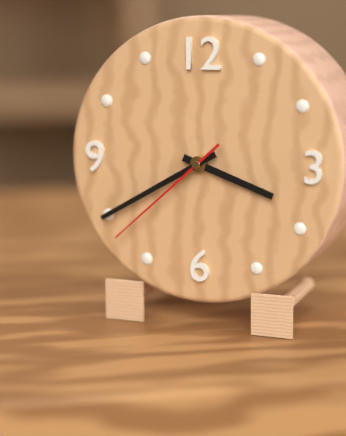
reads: 3,40,38
